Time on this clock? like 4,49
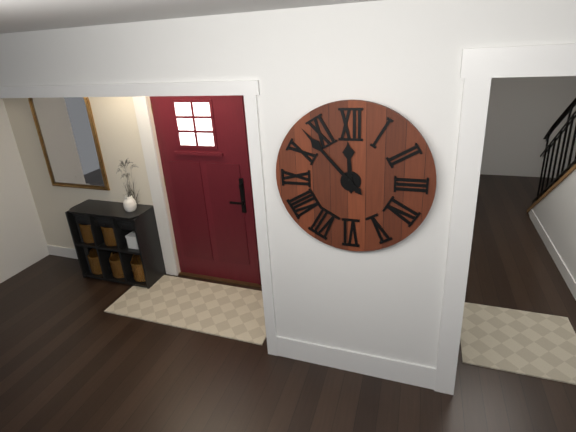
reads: 11,53
